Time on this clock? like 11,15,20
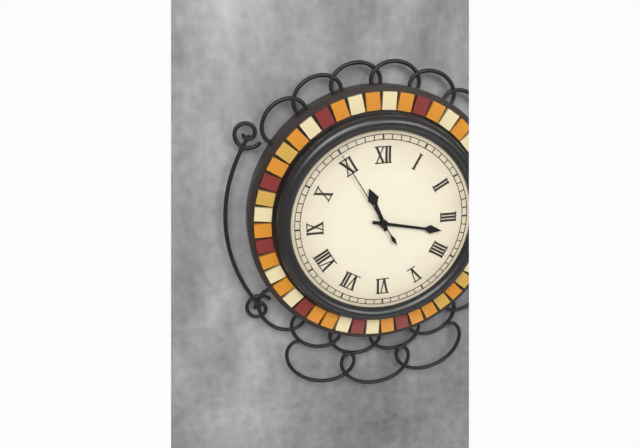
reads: 11,17,55
